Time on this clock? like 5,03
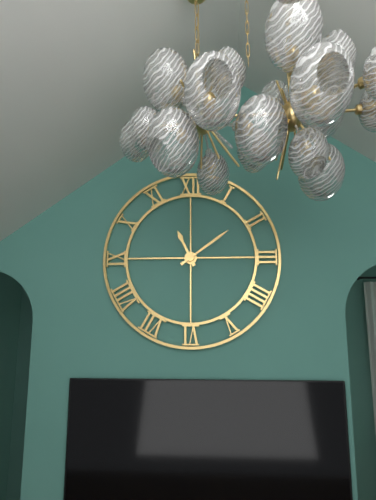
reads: 11,09
